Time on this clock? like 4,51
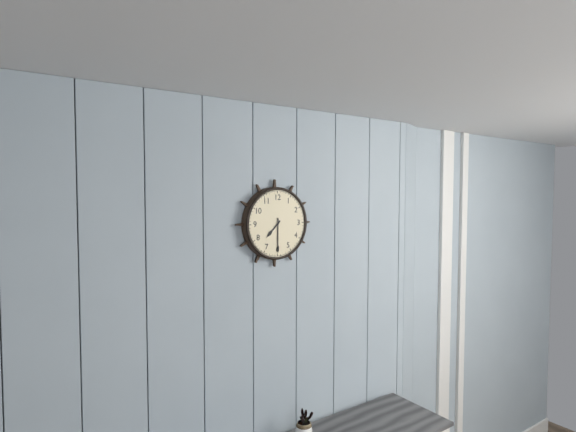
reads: 7,30
